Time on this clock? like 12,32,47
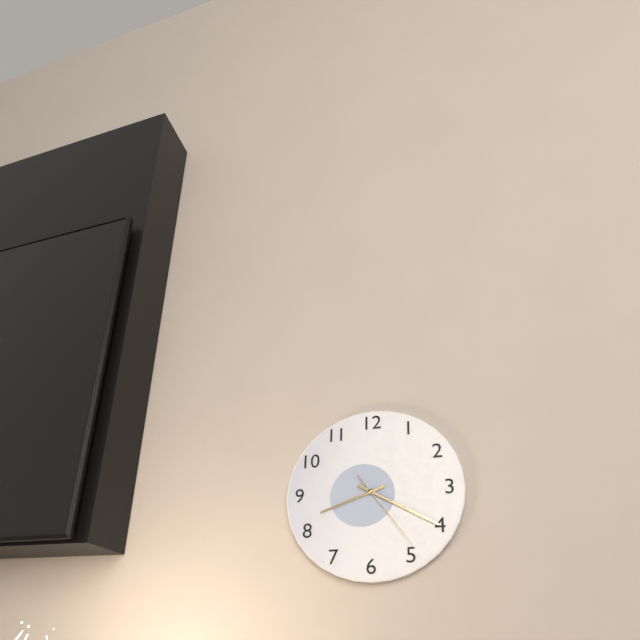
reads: 8,20,24
